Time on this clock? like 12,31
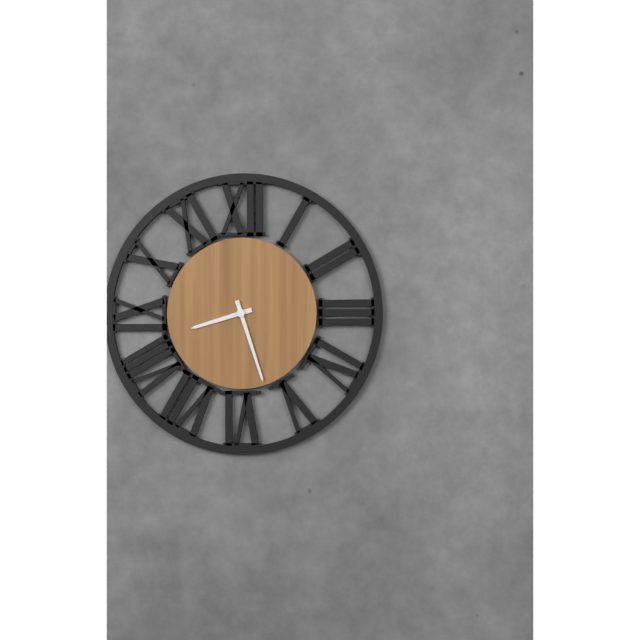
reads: 8,27
